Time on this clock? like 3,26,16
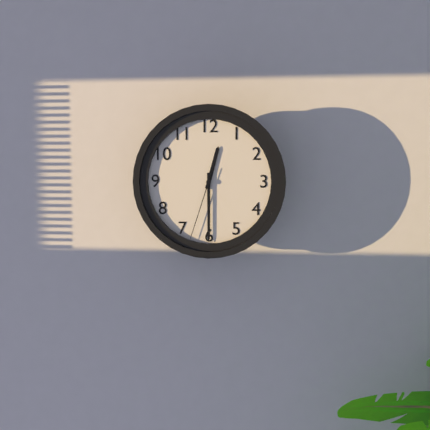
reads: 12,30,33
